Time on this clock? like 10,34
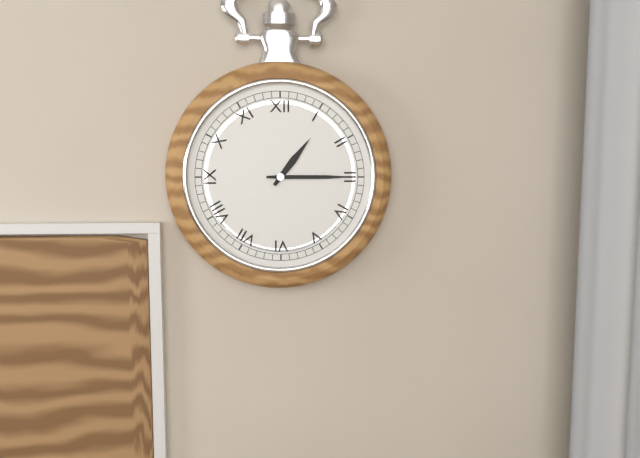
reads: 1,15
